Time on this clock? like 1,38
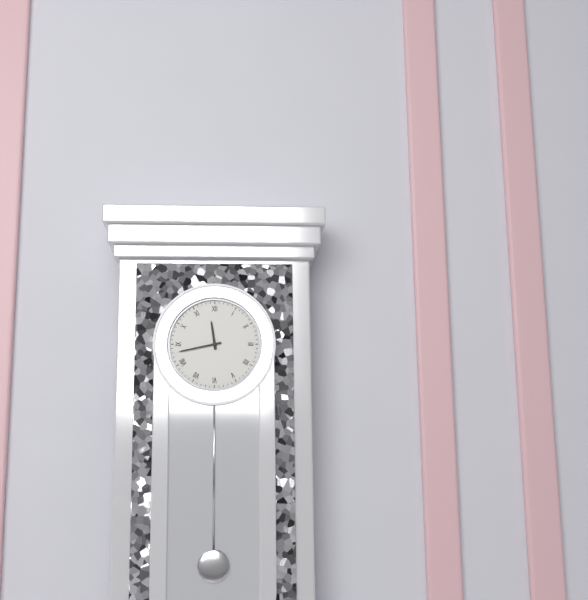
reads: 11,43
